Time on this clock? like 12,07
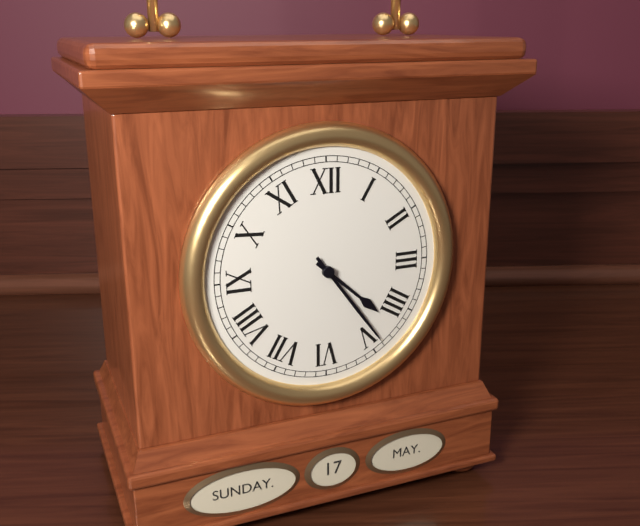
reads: 4,24
